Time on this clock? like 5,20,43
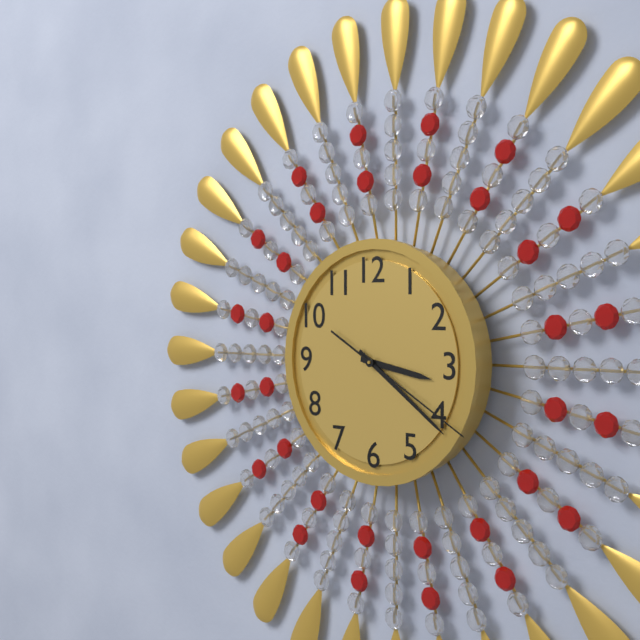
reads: 3,21,20
